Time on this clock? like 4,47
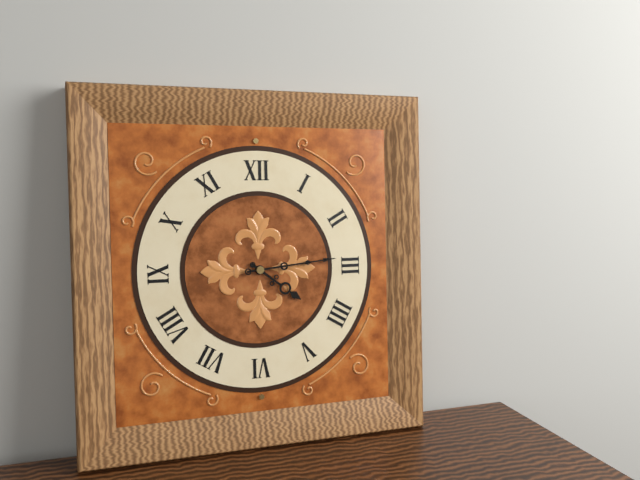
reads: 4,14
